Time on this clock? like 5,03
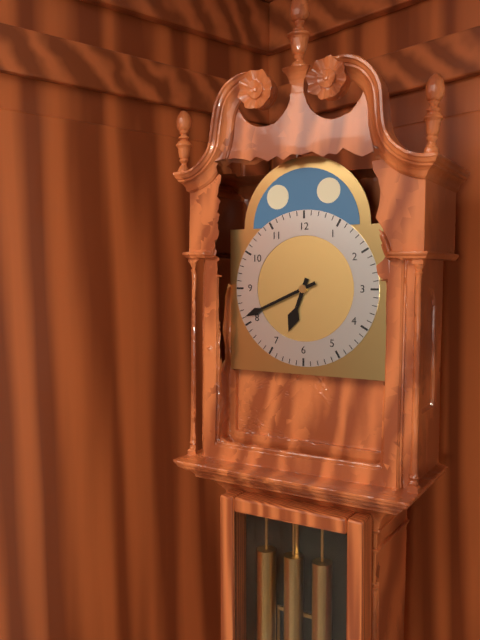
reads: 6,41
